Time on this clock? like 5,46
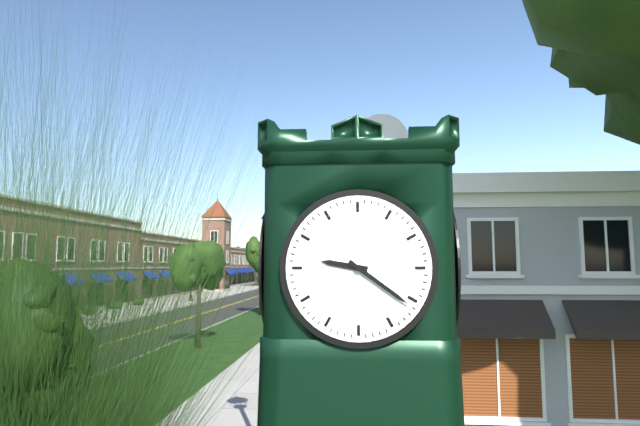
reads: 9,21
